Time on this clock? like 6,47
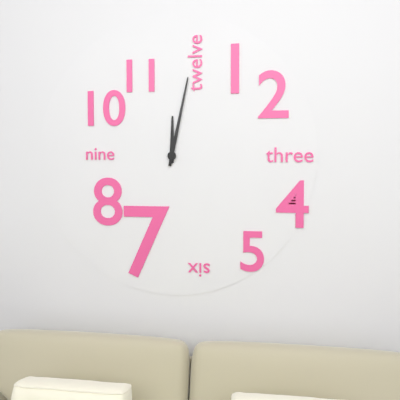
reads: 12,02
